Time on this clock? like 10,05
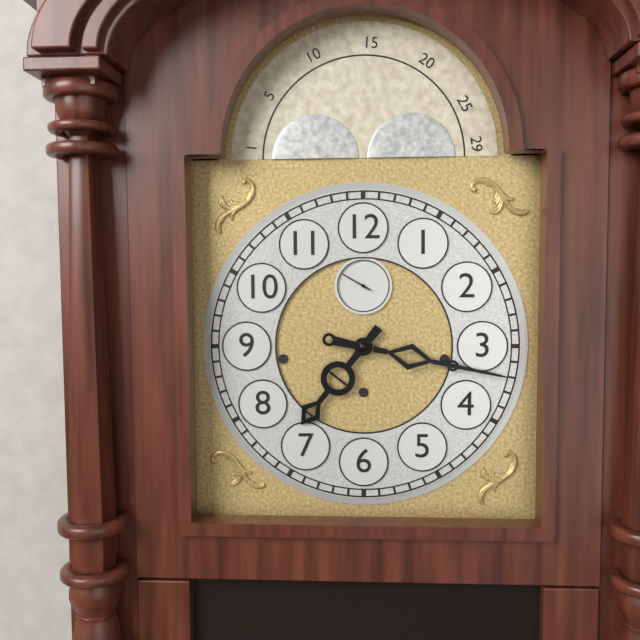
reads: 7,17
